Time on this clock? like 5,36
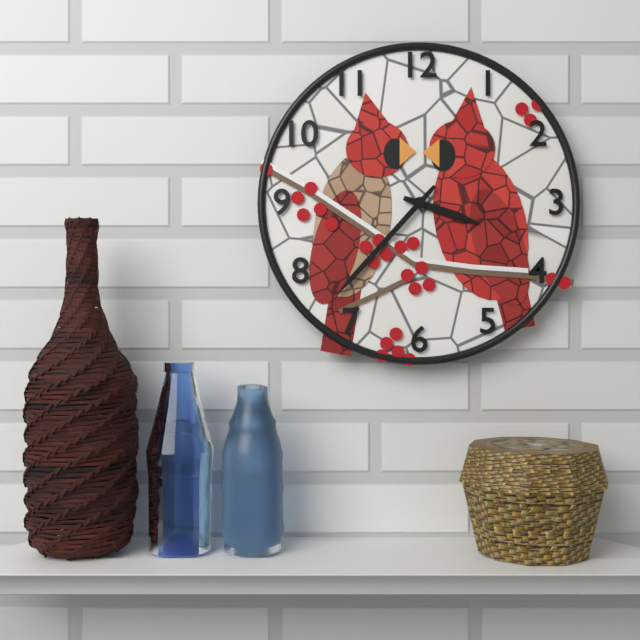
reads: 3,37
